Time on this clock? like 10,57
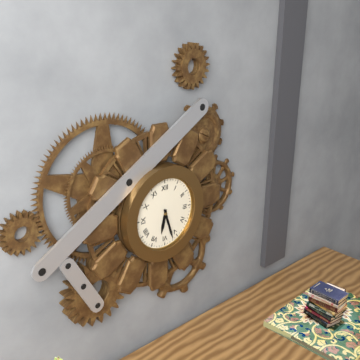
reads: 6,27
